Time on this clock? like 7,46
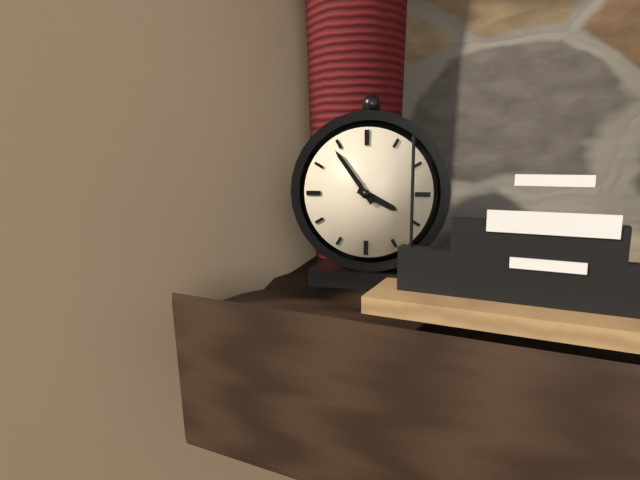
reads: 3,54
